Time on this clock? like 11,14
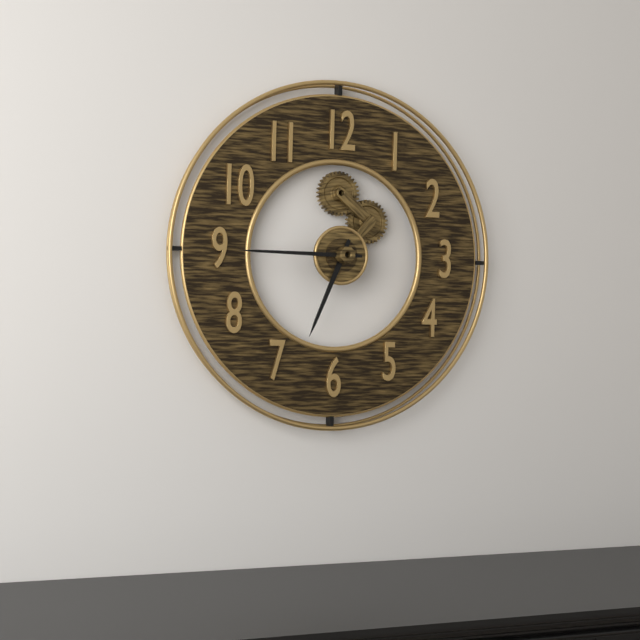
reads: 6,45
